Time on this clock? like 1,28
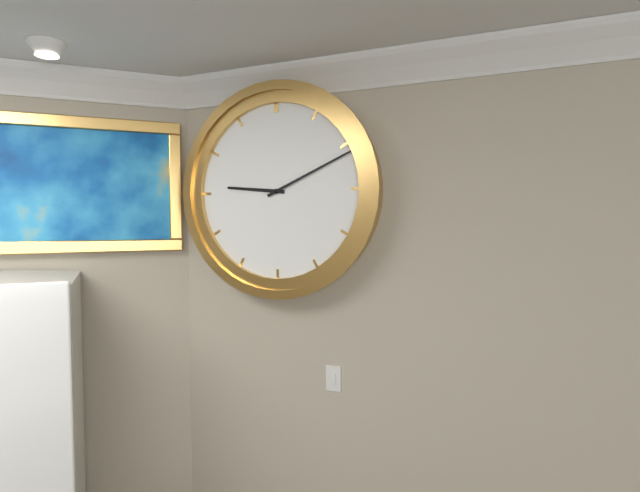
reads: 9,11
